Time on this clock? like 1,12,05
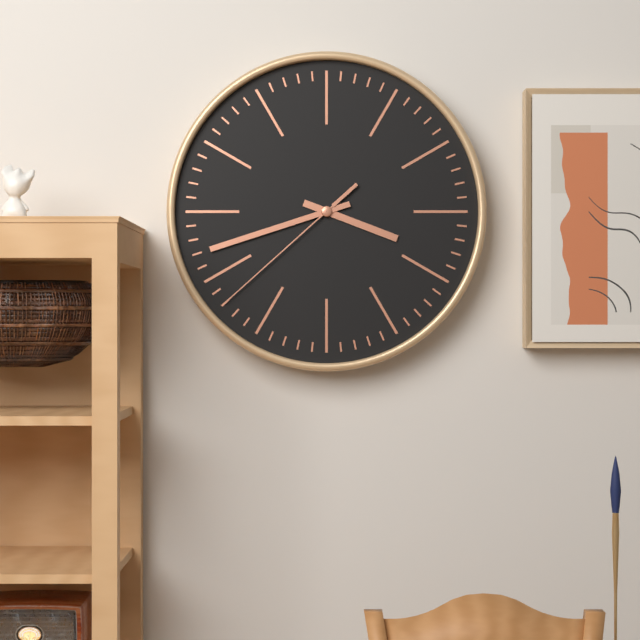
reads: 3,42,38
